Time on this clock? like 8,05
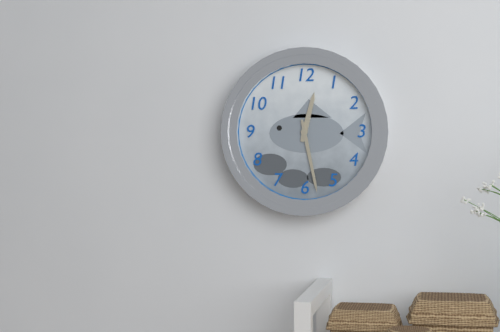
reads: 12,28
